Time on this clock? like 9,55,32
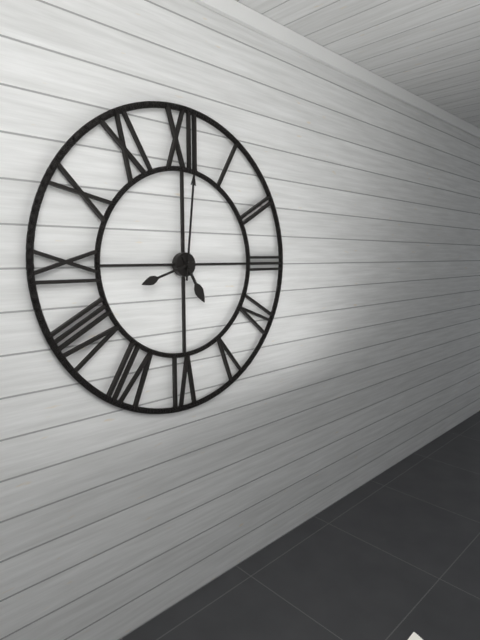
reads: 5,01,42
